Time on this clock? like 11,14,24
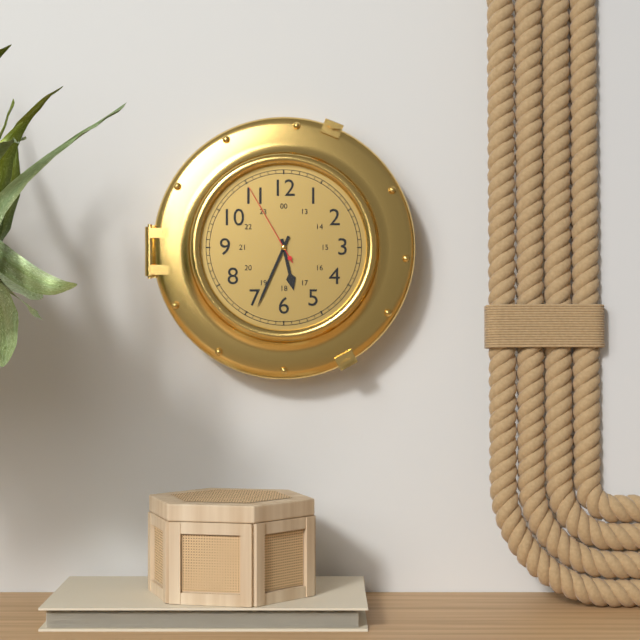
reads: 5,34,55
